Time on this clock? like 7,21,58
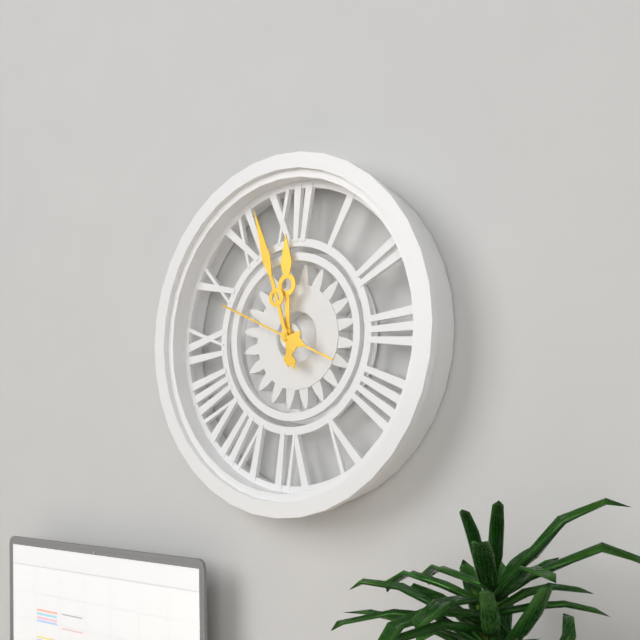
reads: 11,57,49
